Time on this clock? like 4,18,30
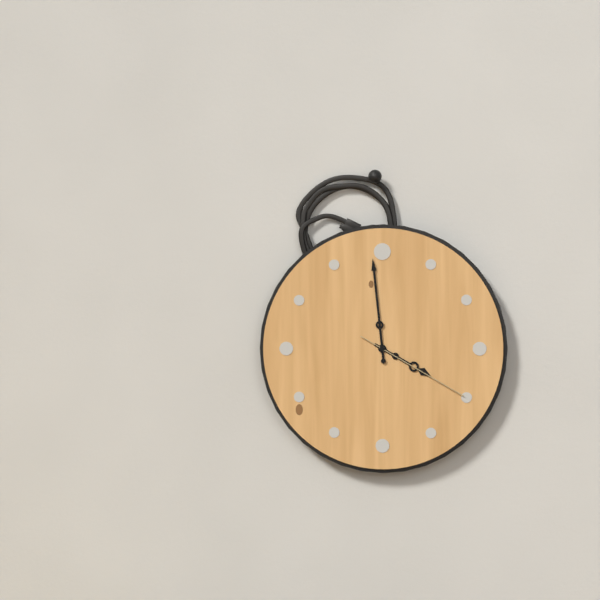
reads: 3,59,20
